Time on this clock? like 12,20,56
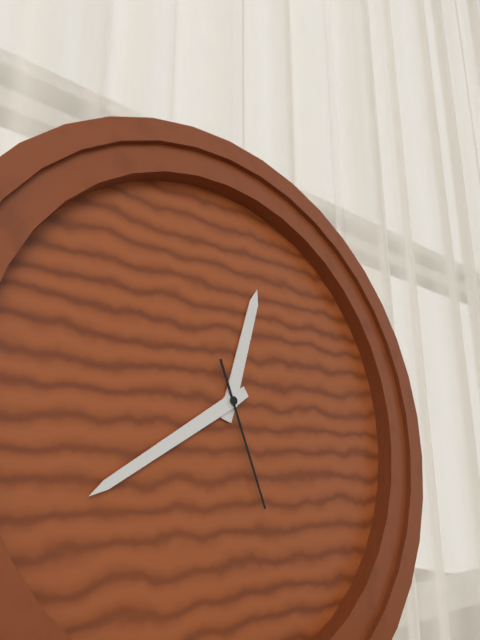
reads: 12,40,27
